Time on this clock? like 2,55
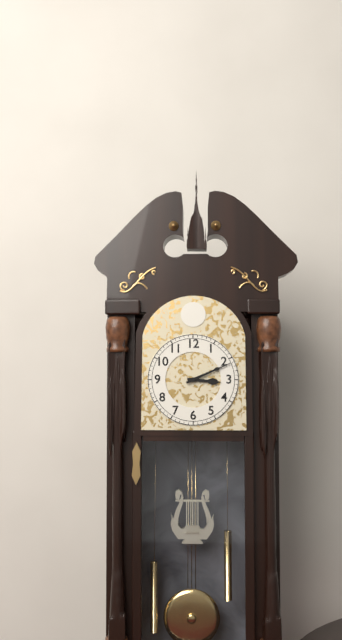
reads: 3,11
